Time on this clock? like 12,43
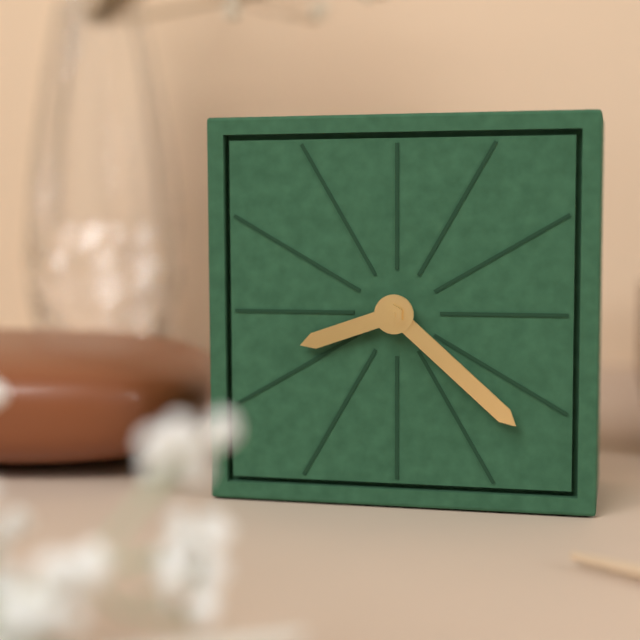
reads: 8,22
